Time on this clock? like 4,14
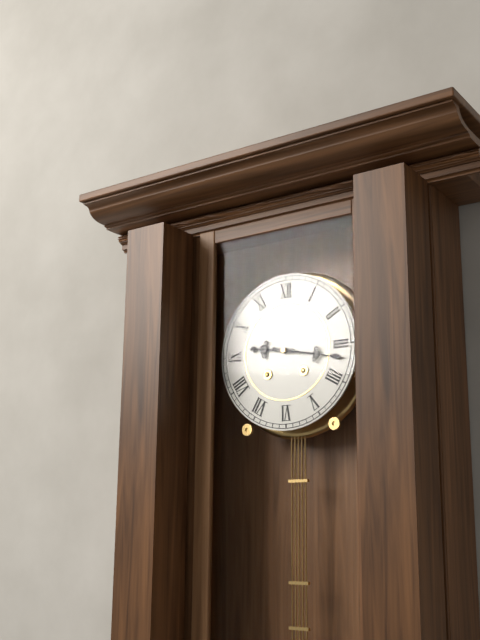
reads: 9,17
